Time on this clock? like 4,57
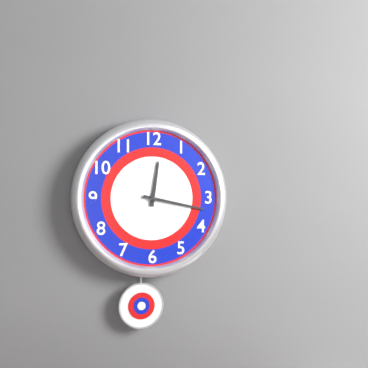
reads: 12,17
